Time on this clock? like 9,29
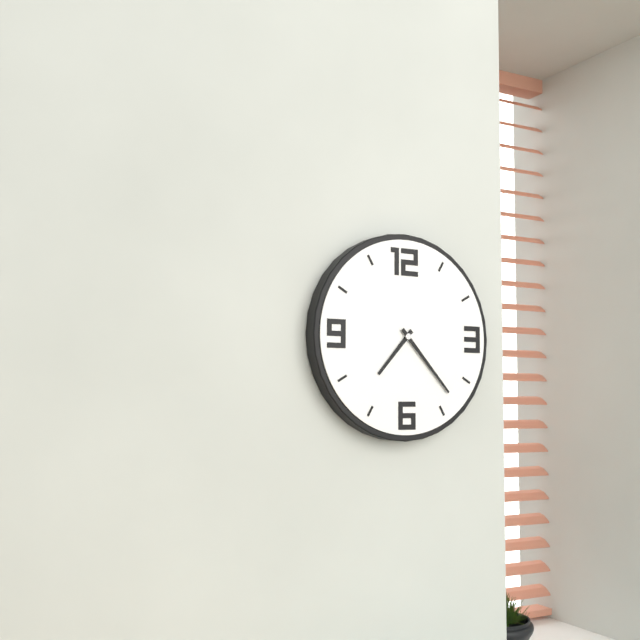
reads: 7,23
